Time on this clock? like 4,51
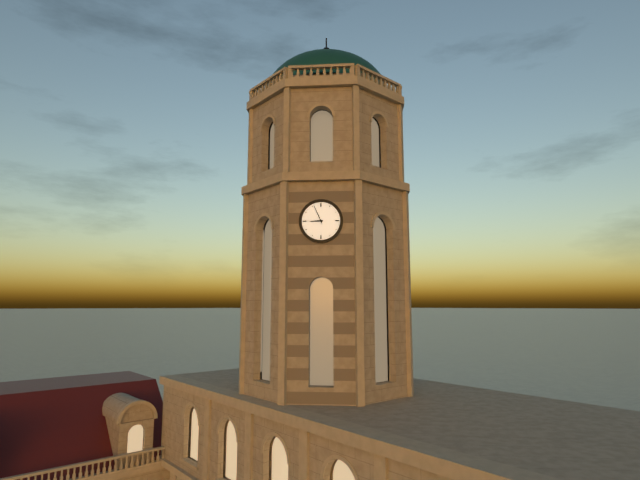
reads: 8,56
